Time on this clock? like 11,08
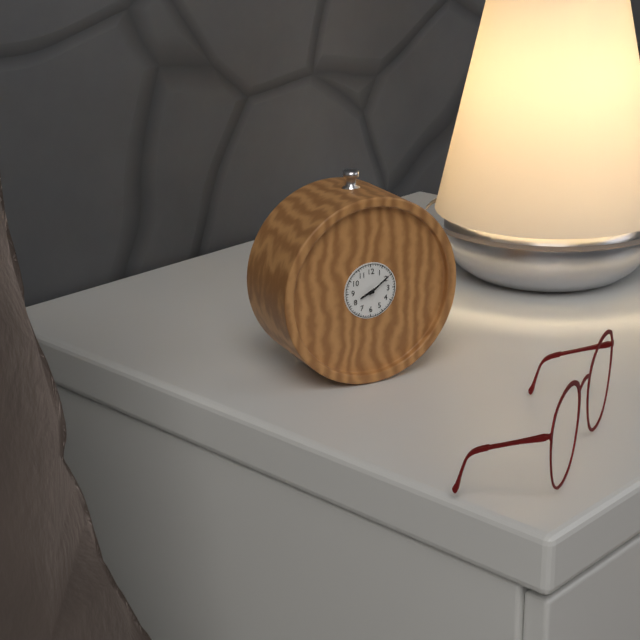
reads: 8,09
